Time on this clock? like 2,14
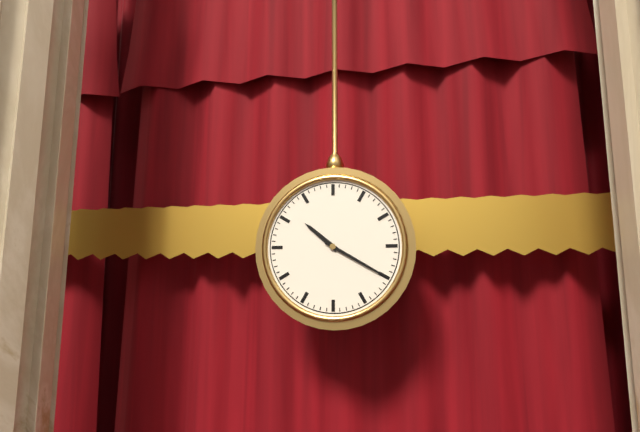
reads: 10,20
